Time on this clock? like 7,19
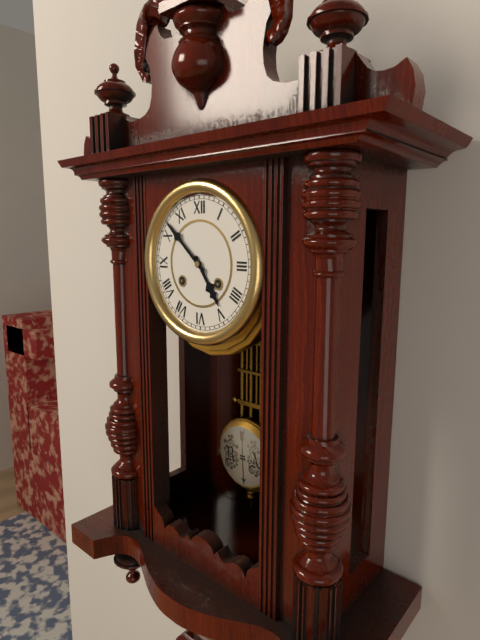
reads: 4,52
